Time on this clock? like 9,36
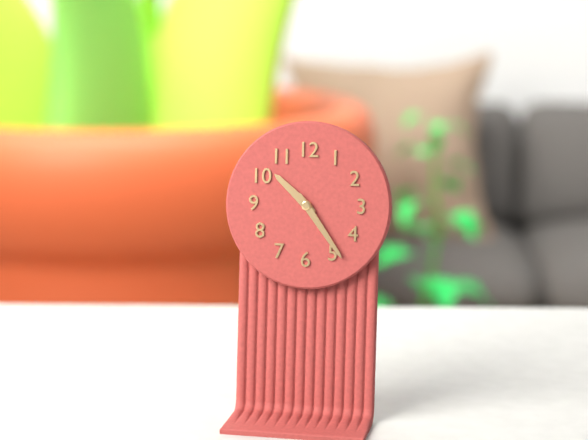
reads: 10,24
